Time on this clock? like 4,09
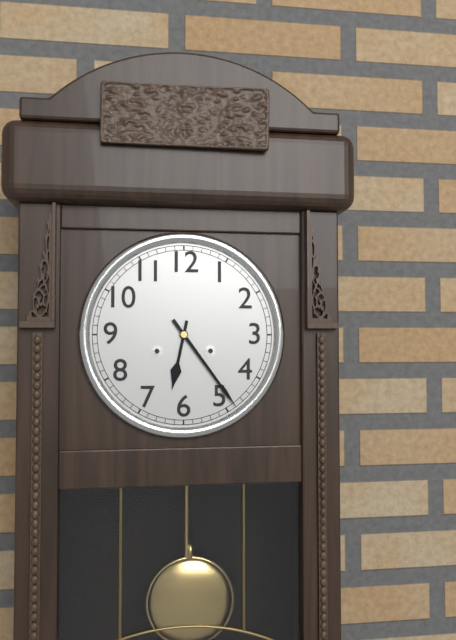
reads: 6,24
